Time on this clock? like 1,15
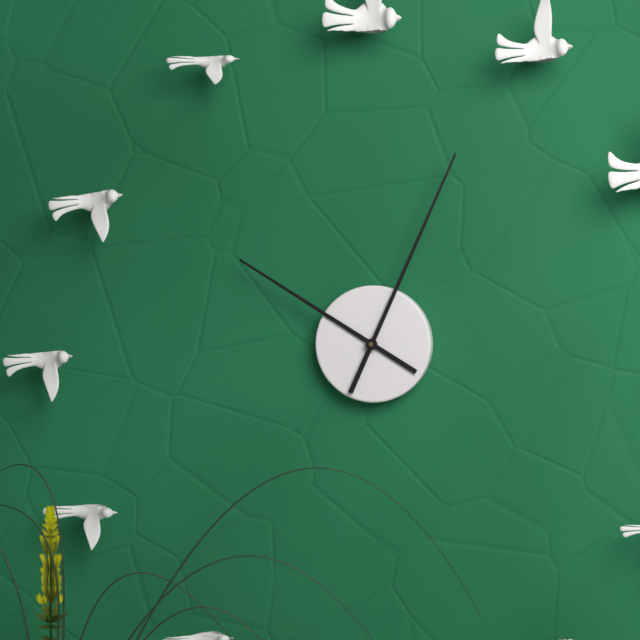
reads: 10,04
